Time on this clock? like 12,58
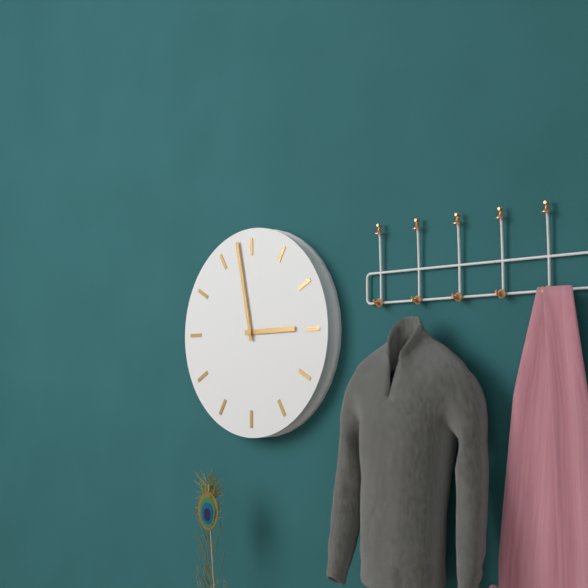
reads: 2,58
